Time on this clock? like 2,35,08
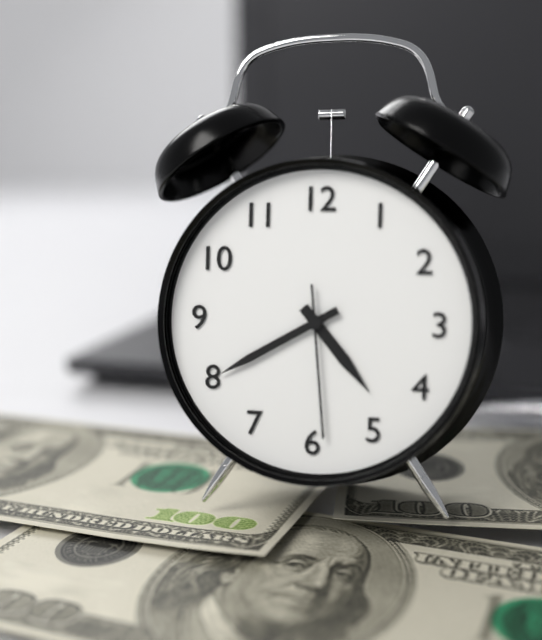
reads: 4,40,29
